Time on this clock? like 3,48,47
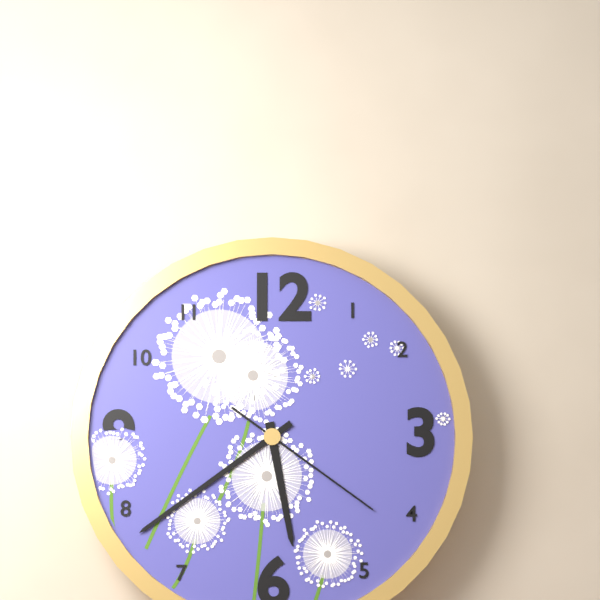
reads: 5,39,21
